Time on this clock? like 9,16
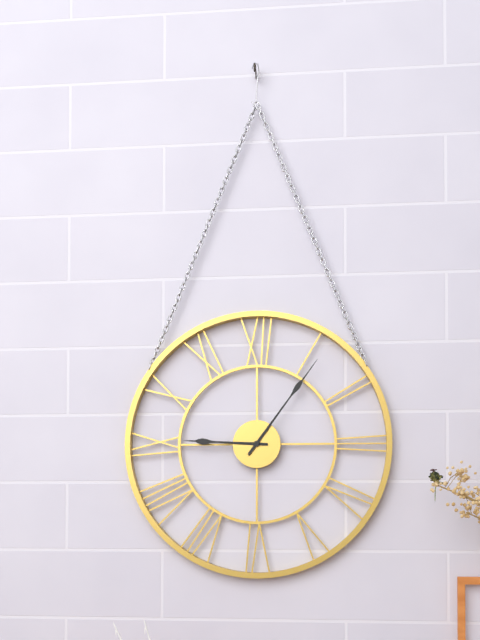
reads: 9,06
